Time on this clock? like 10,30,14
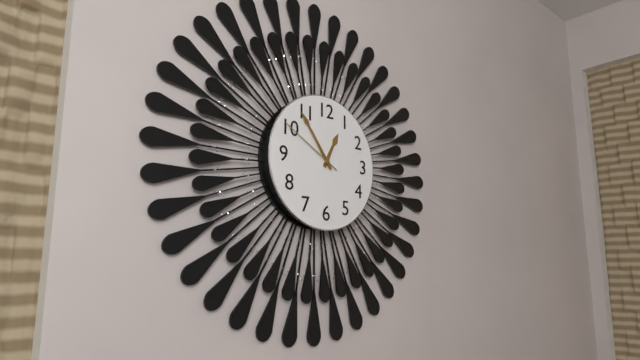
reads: 12,54,50
